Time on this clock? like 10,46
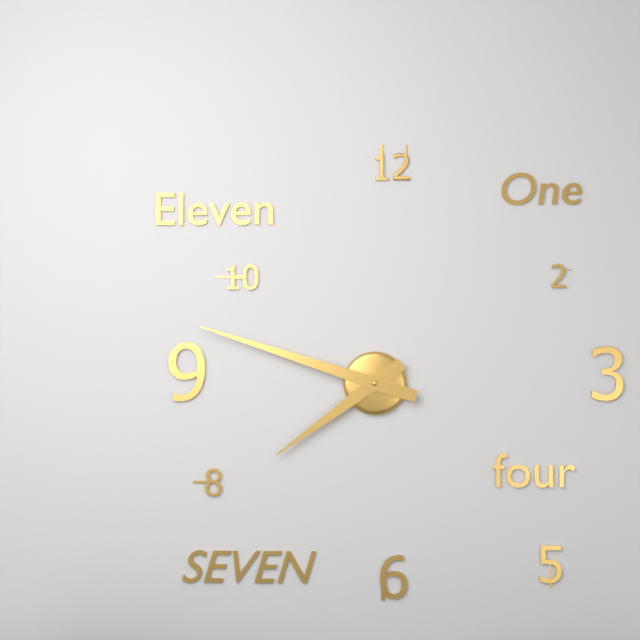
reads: 7,48
